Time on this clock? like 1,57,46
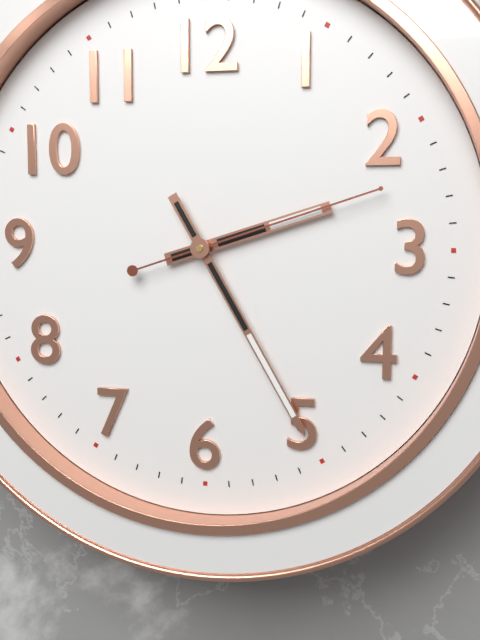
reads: 2,25,12
